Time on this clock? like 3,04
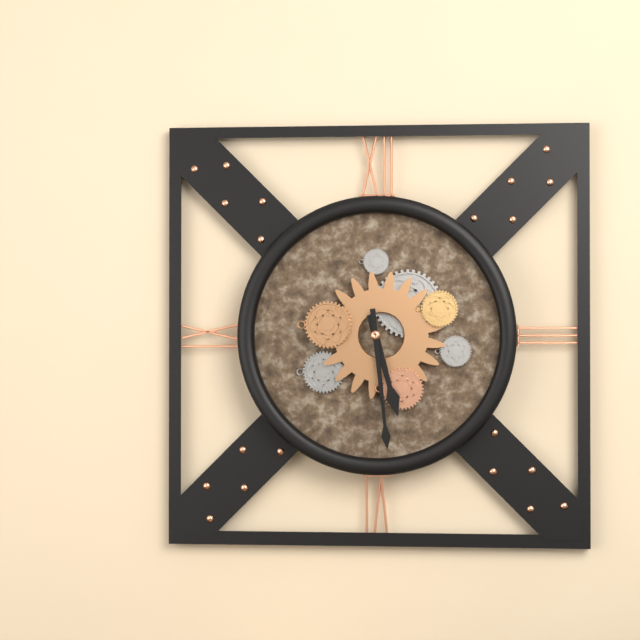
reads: 5,29
